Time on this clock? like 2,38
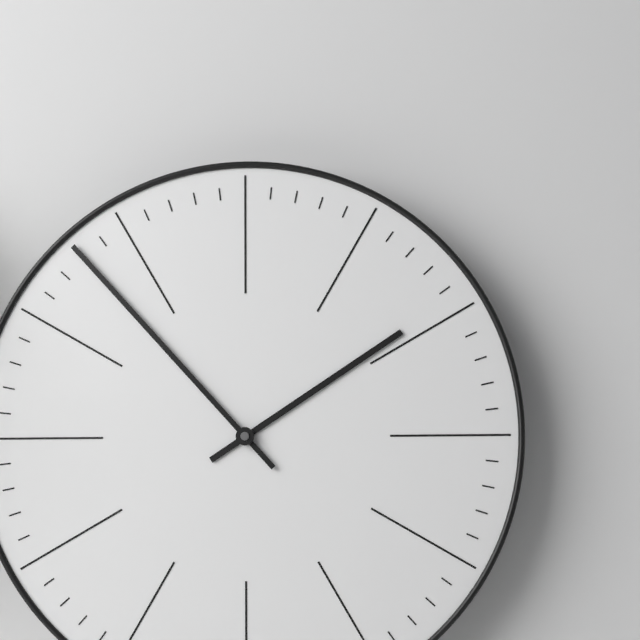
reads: 1,53
